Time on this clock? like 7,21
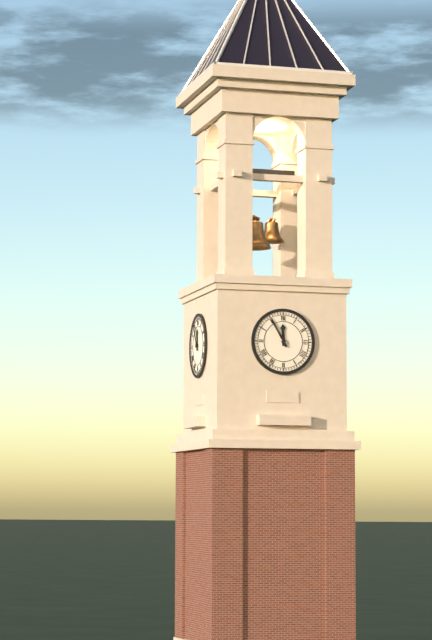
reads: 11,55
